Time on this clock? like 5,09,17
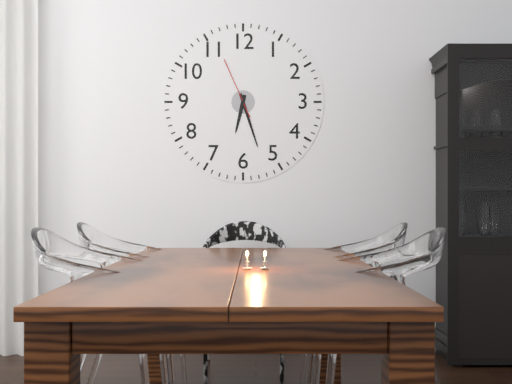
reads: 6,27,56
